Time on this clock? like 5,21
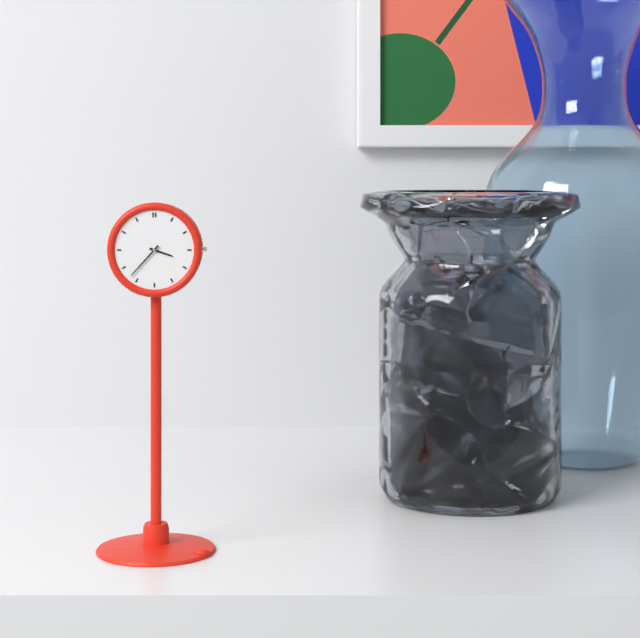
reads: 3,37
